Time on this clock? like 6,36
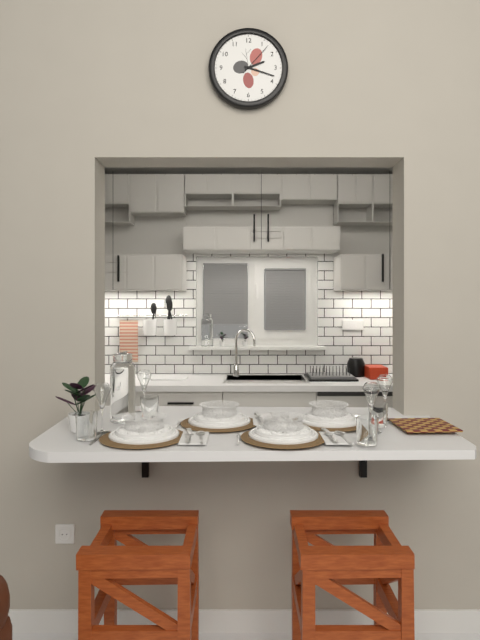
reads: 2,18
